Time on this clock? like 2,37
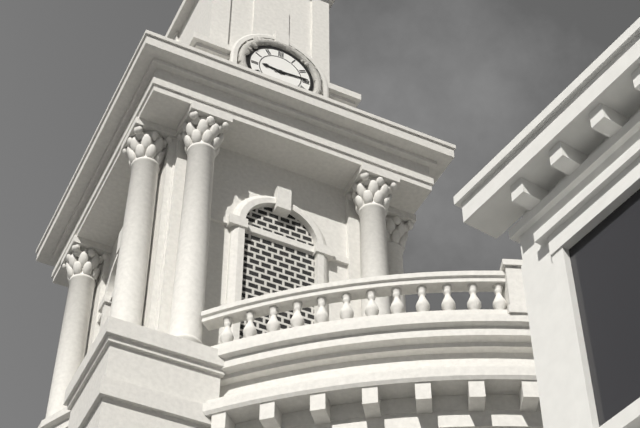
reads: 9,14
